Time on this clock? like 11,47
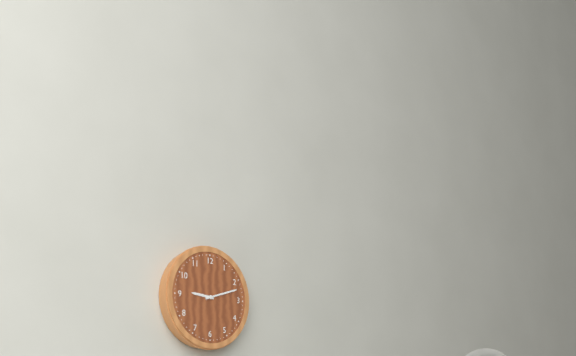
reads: 9,12
